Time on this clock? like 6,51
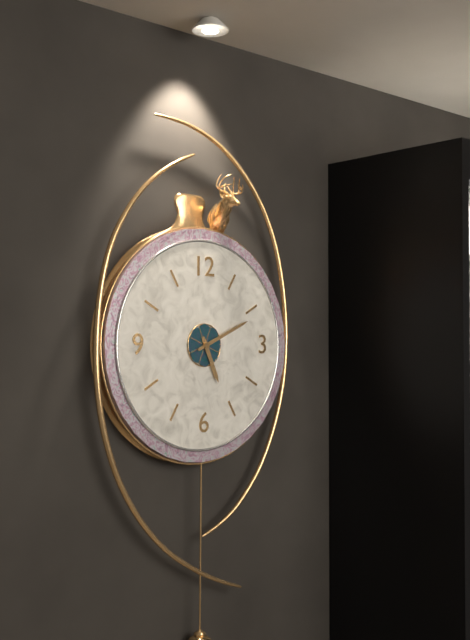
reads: 5,11
